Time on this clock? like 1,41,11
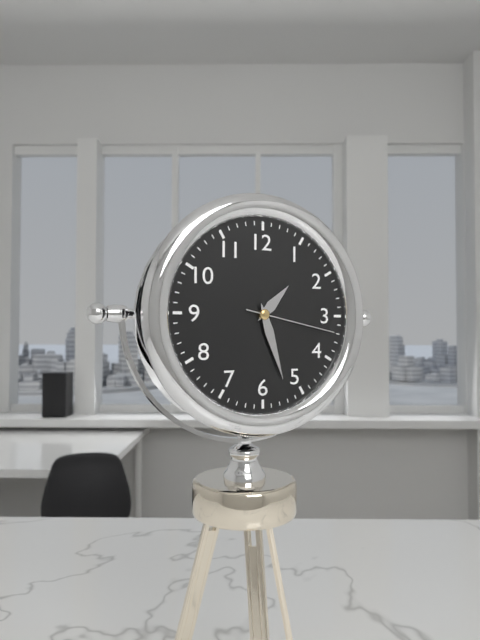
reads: 1,27,17
